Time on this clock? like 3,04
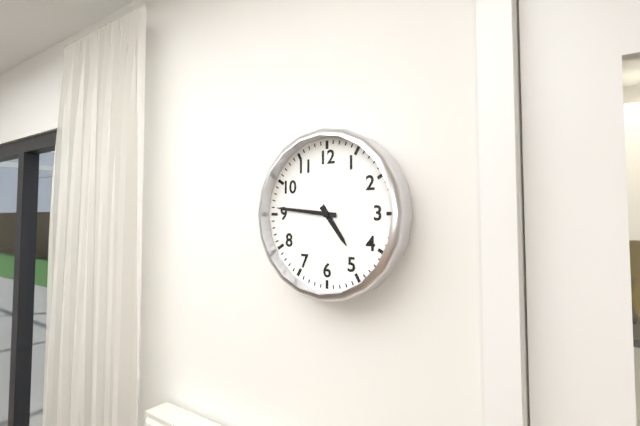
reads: 4,46
